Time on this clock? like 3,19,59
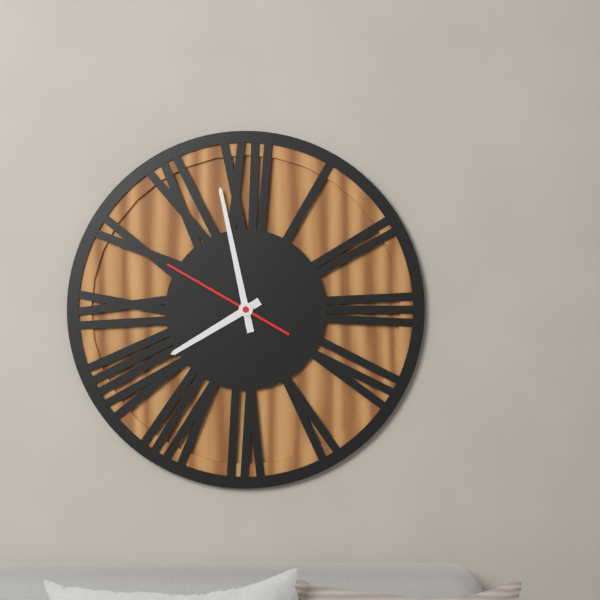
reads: 7,58,50
